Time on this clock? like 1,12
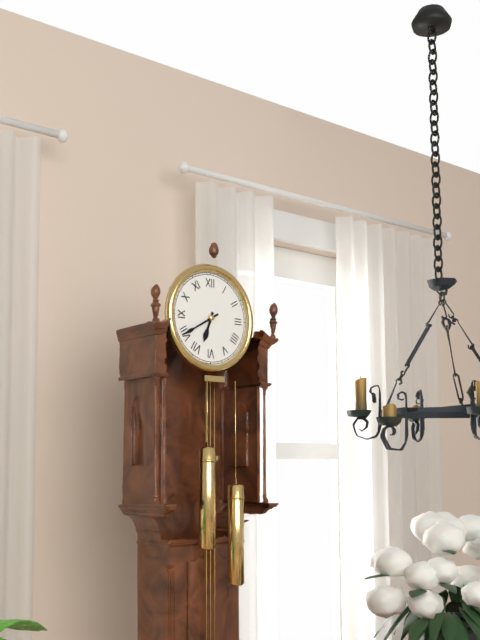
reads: 6,40
